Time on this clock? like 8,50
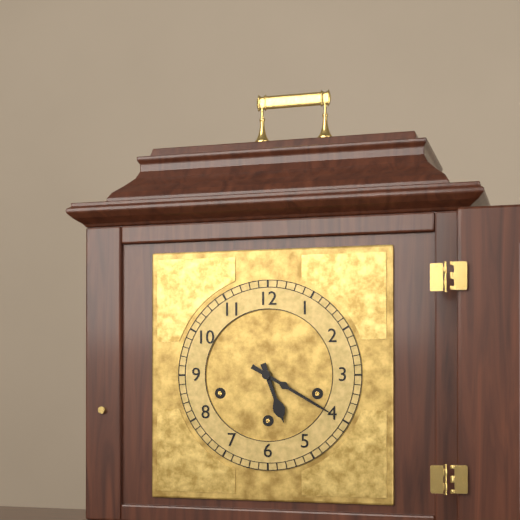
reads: 5,20
